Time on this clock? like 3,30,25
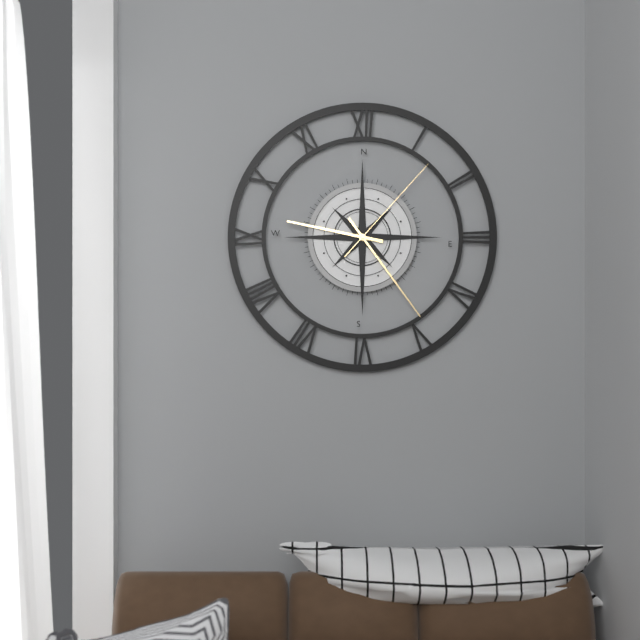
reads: 9,24,07
